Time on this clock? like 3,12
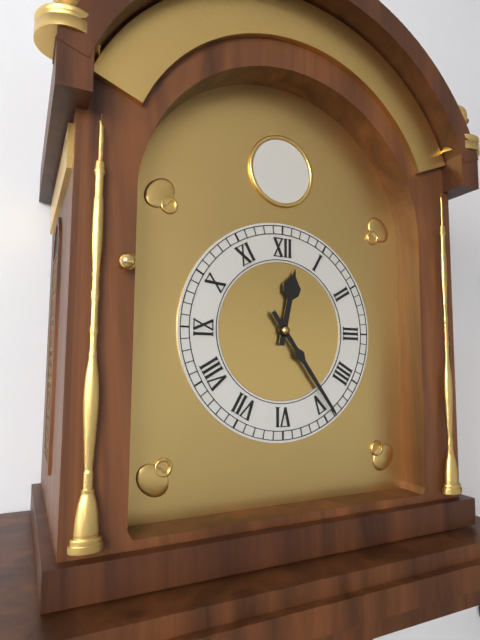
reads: 12,24
